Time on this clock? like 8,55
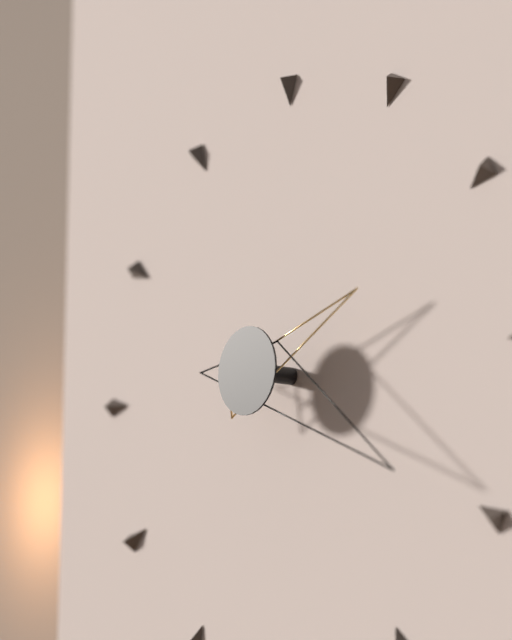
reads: 2,20
